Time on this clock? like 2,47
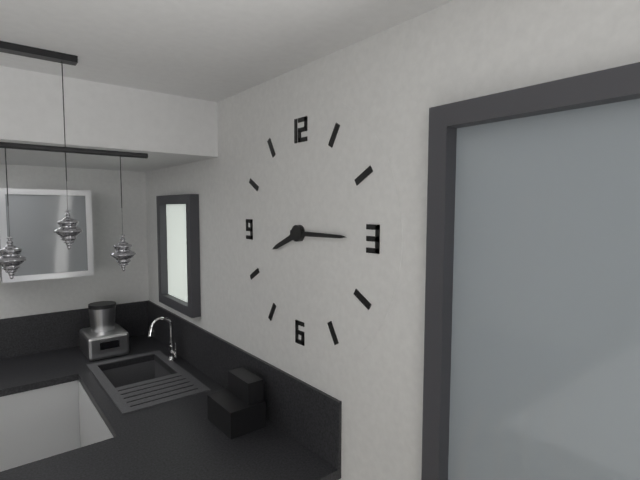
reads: 8,15
